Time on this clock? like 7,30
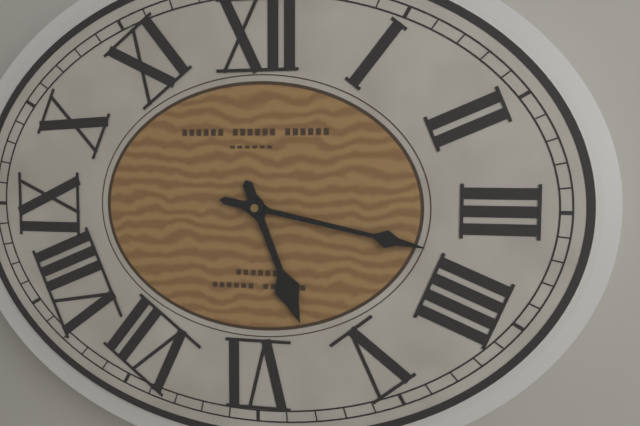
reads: 5,17
